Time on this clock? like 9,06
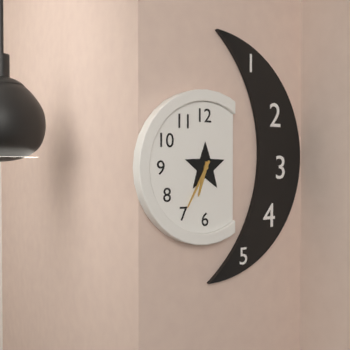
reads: 6,35
